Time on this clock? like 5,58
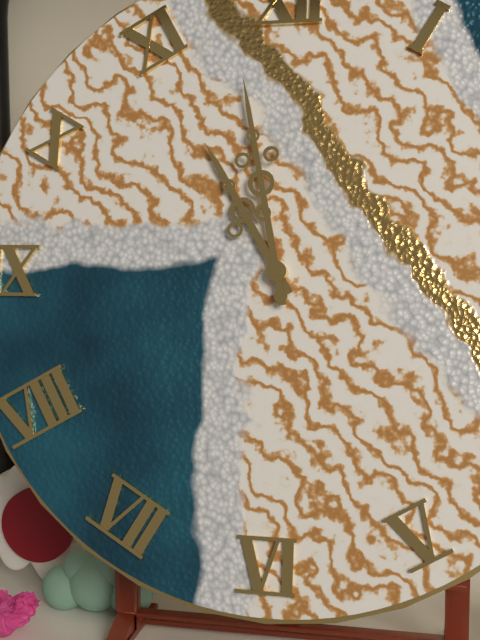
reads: 10,58
